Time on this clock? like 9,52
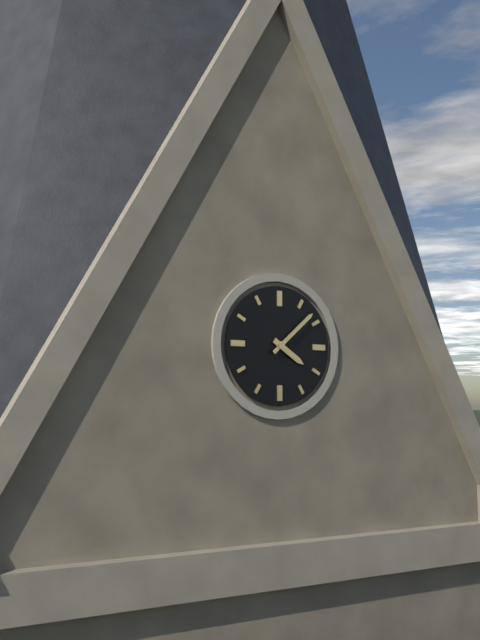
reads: 4,08
